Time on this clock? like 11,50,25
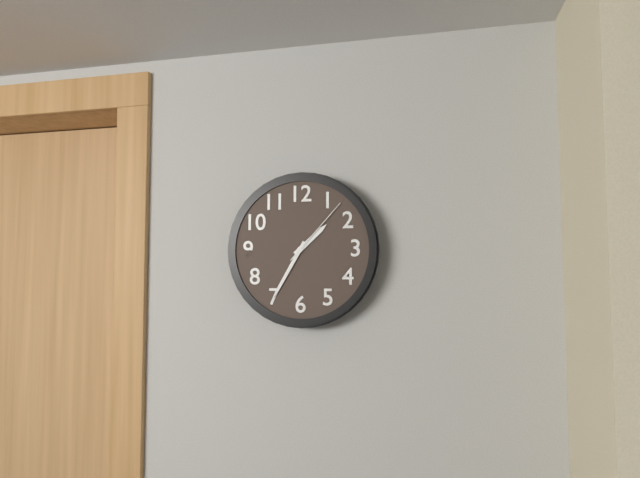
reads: 1,35,07
